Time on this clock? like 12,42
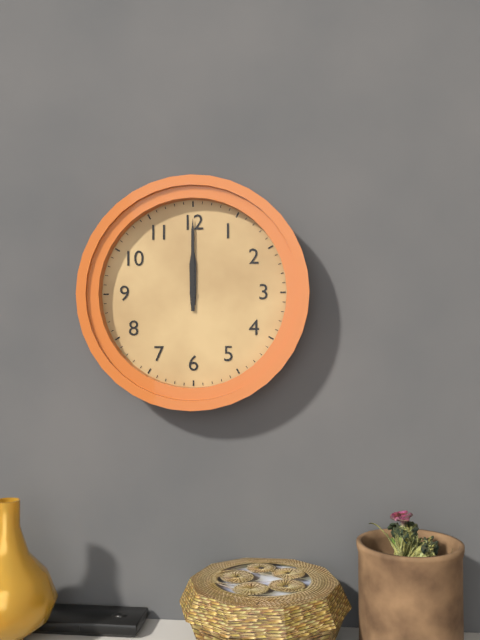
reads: 12,00
